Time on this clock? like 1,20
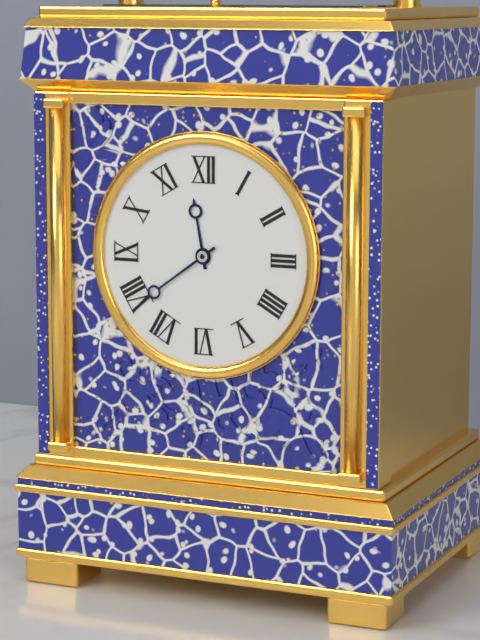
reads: 11,39
